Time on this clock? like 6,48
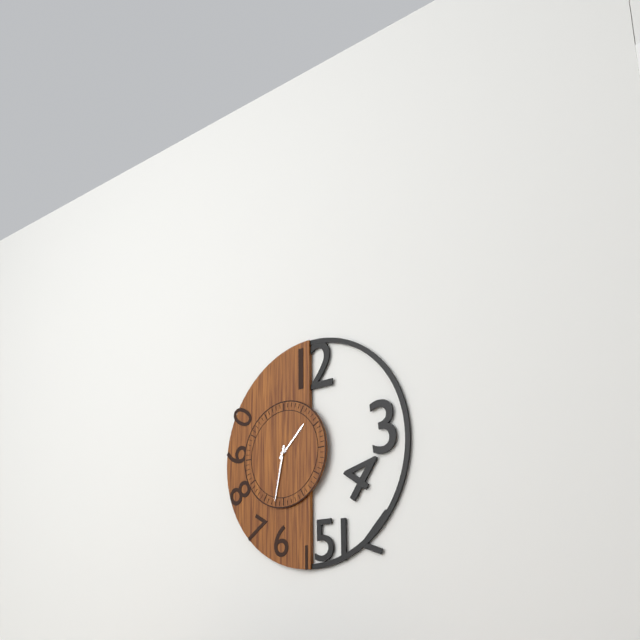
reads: 1,32
